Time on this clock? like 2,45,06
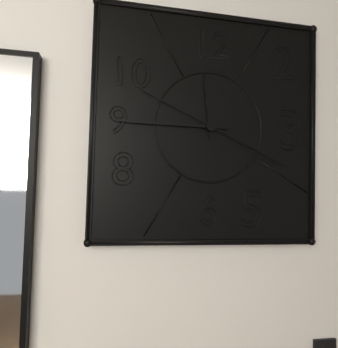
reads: 11,45,19
